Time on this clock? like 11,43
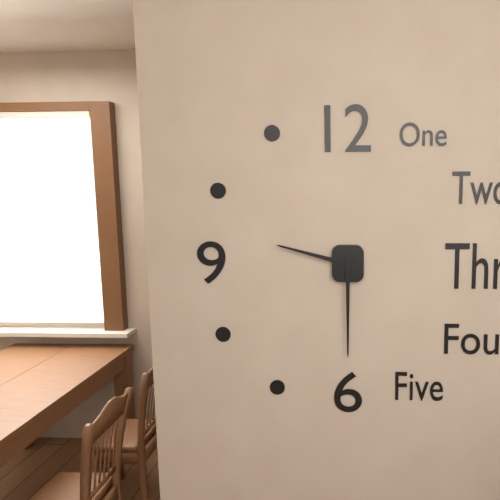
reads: 9,30
